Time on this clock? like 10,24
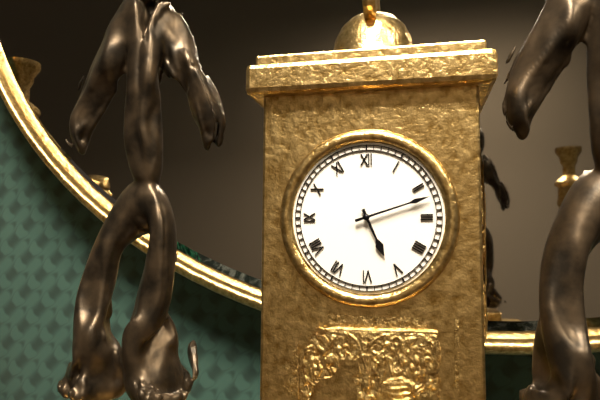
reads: 5,12
